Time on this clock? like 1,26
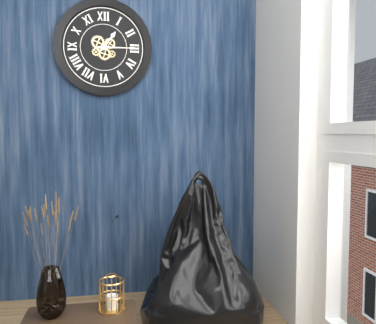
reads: 1,15
